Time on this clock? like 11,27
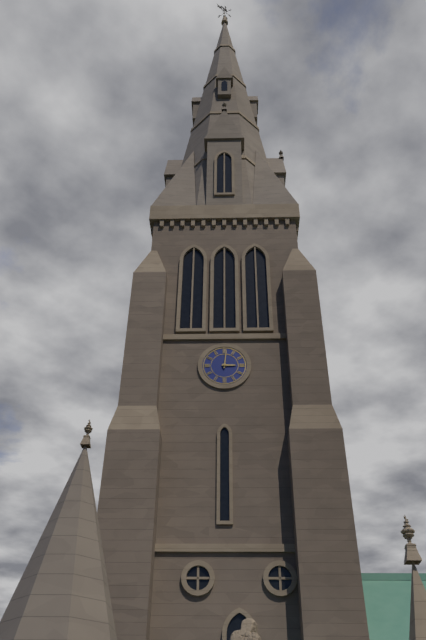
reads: 3,01
